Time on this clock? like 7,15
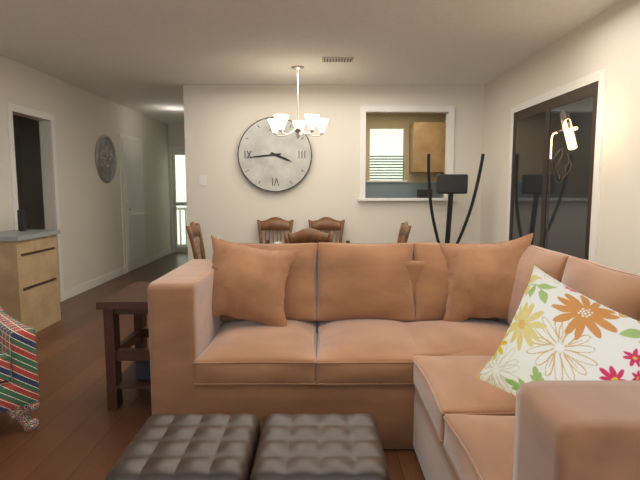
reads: 3,44
